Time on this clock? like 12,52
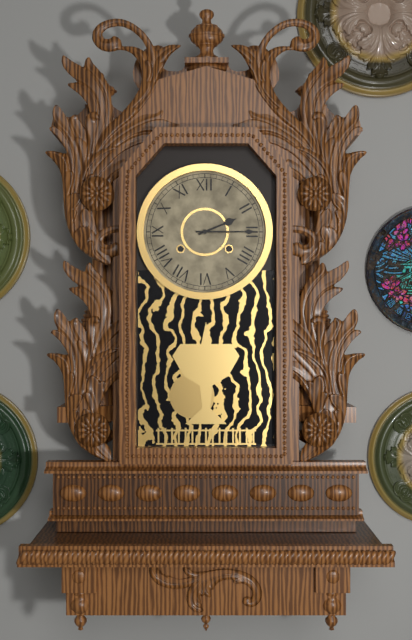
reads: 2,15
